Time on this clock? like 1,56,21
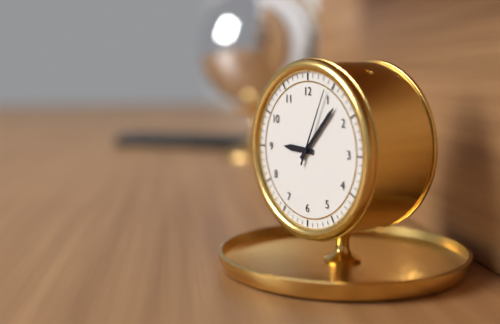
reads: 9,07,04
